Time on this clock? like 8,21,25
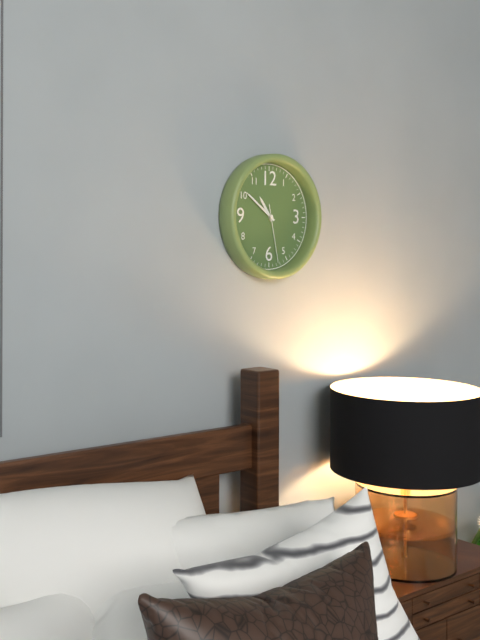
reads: 10,51,28
